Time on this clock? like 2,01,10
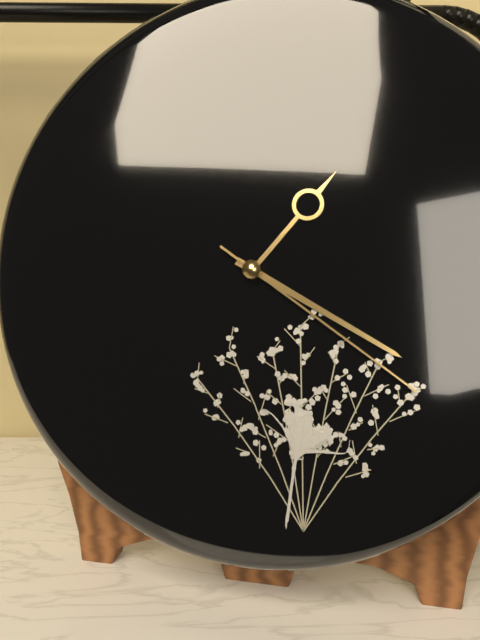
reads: 1,20,21
